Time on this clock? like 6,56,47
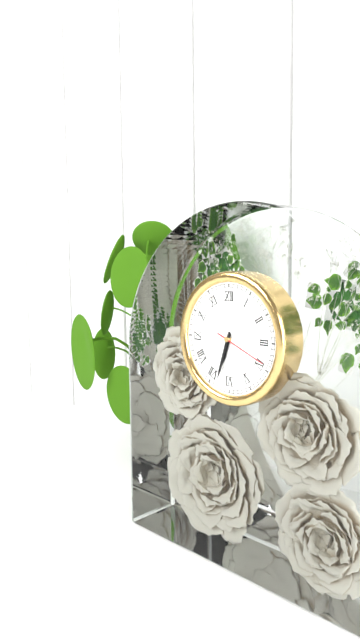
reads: 6,33,19
